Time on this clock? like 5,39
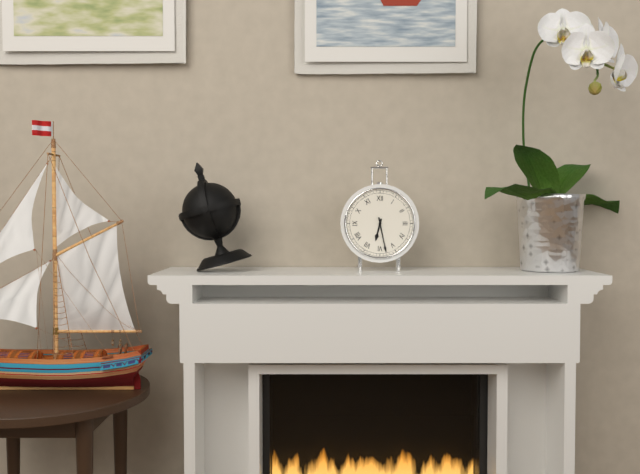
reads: 6,28
